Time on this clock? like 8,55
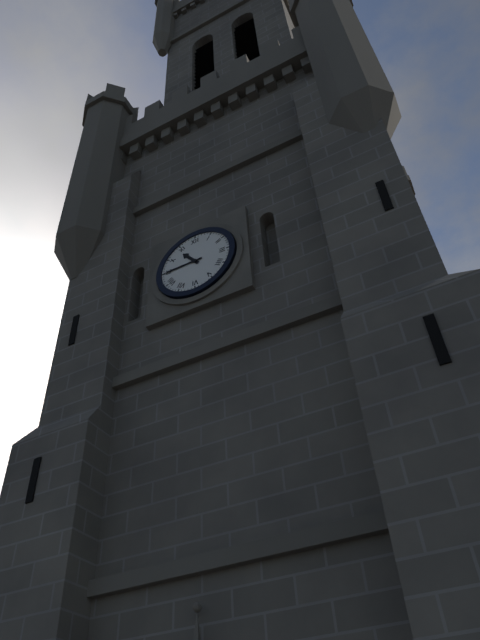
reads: 10,45
